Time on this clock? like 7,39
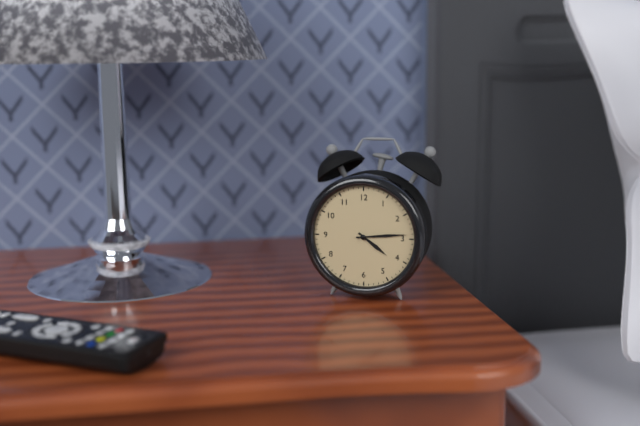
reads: 4,14
